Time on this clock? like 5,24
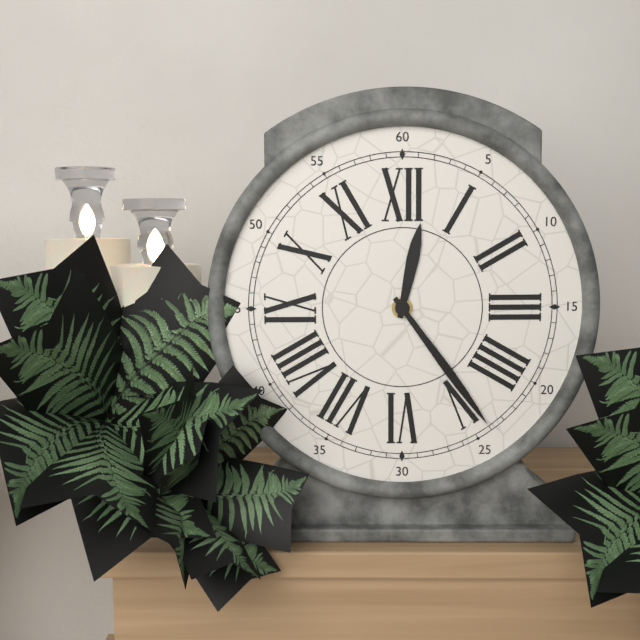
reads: 12,24
